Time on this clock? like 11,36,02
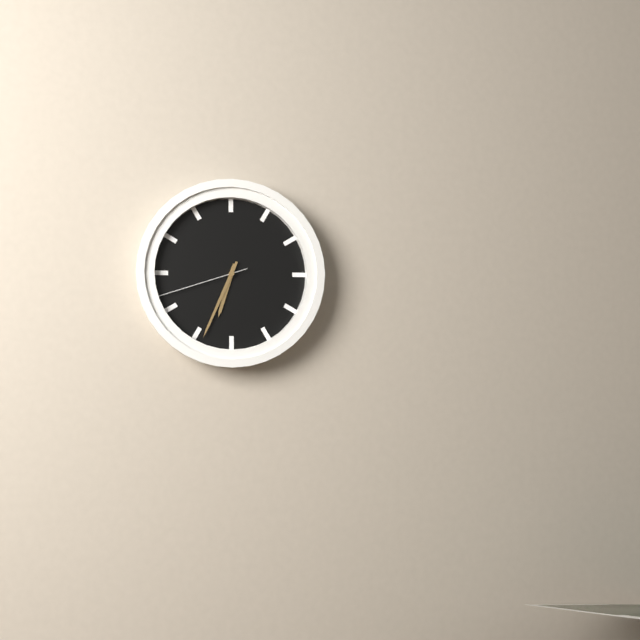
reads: 6,34,42
